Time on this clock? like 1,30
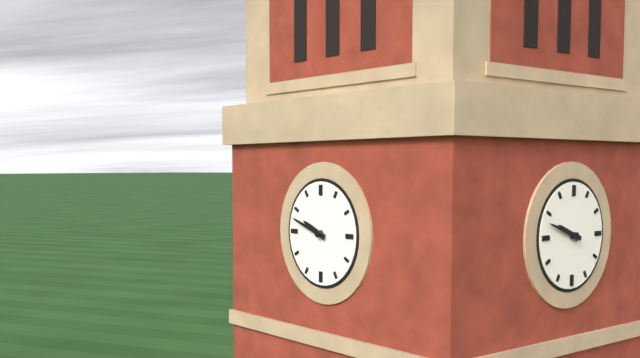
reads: 9,48
